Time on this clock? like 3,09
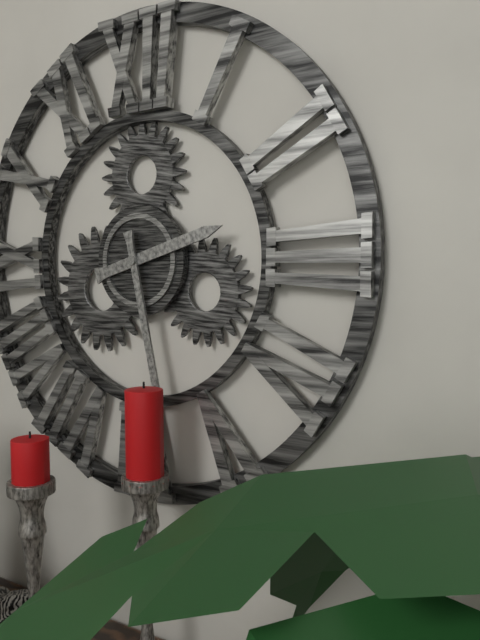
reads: 2,28
